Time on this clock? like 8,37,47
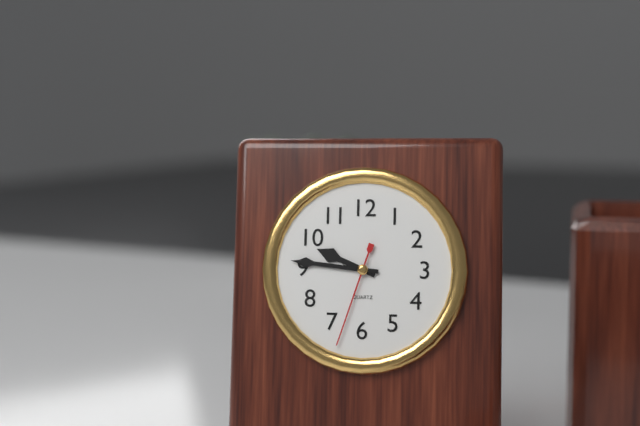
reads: 9,46,33
